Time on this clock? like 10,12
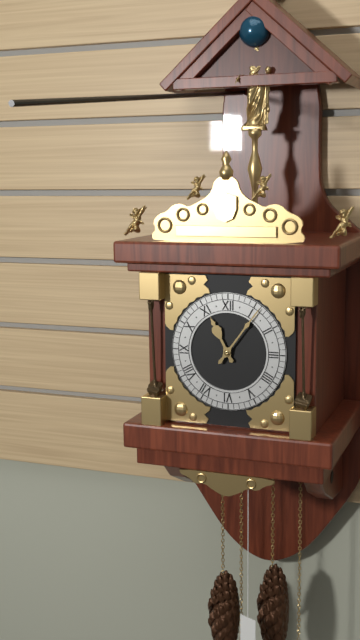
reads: 11,06
